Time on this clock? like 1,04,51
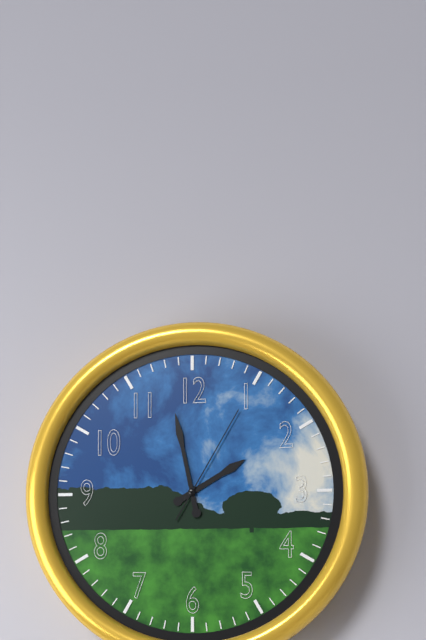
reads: 1,58,05
